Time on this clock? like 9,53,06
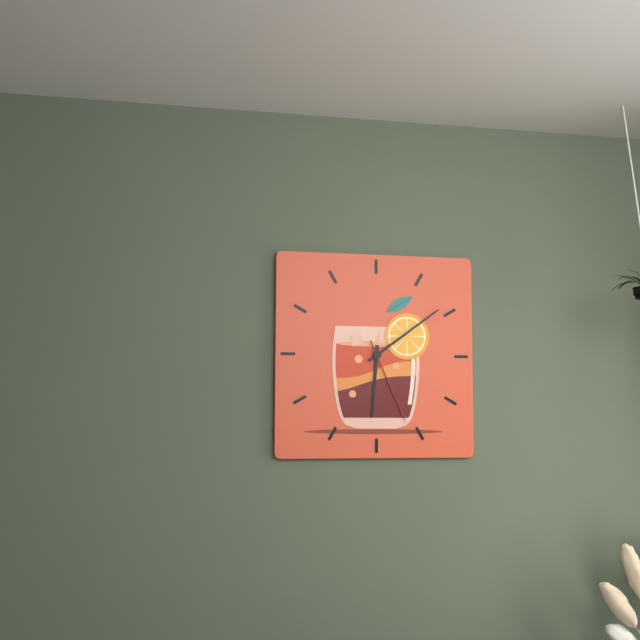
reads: 6,09,26
